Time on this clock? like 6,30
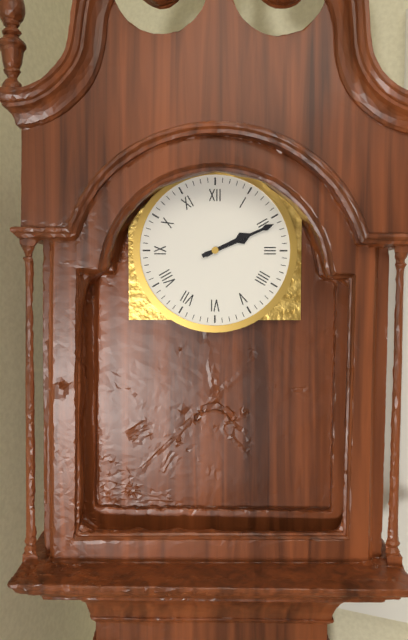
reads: 2,11
